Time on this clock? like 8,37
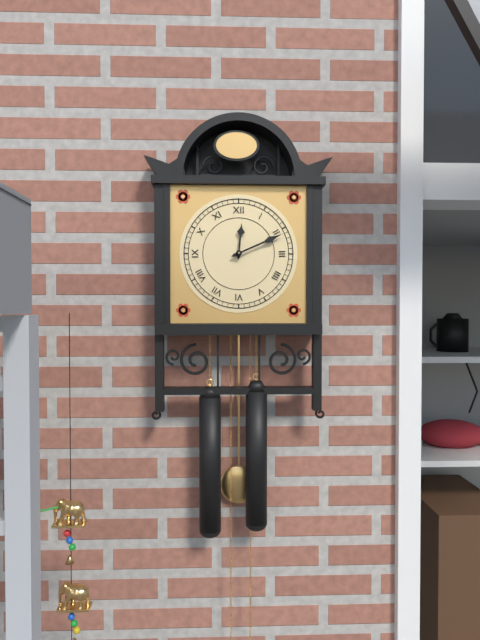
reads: 12,11
